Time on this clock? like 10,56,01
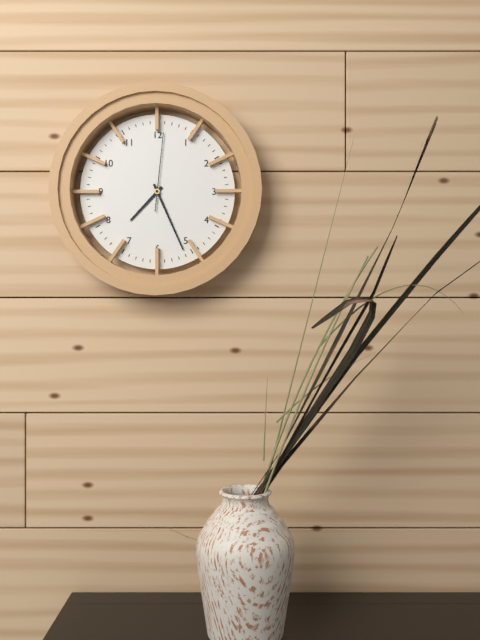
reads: 7,26,01
